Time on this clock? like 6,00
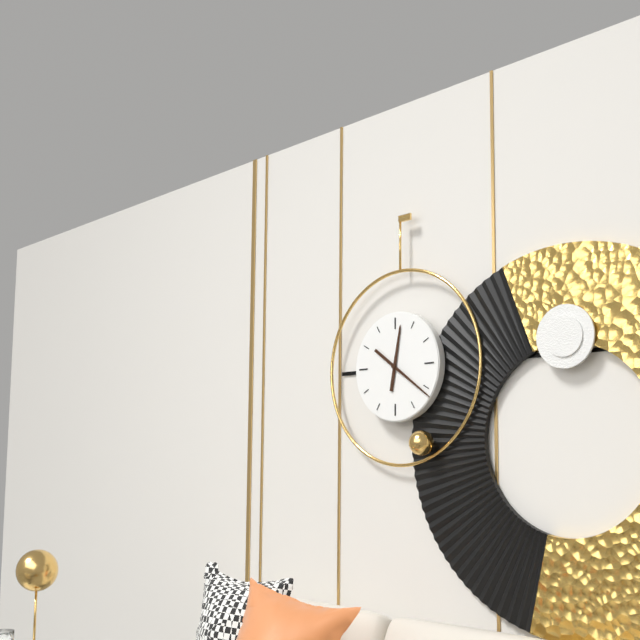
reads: 12,21
